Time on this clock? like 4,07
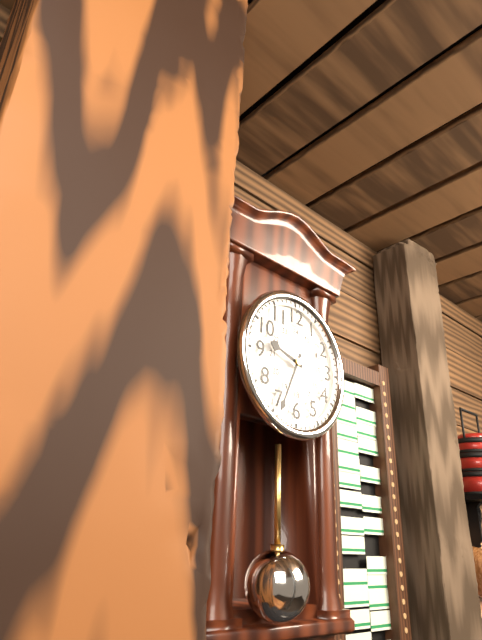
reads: 9,34
